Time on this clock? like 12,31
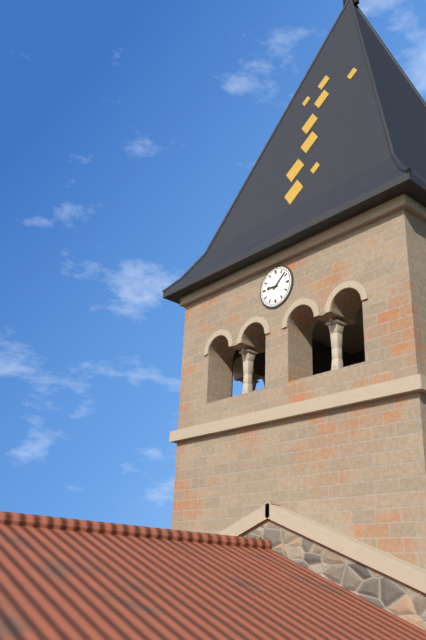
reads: 9,08
